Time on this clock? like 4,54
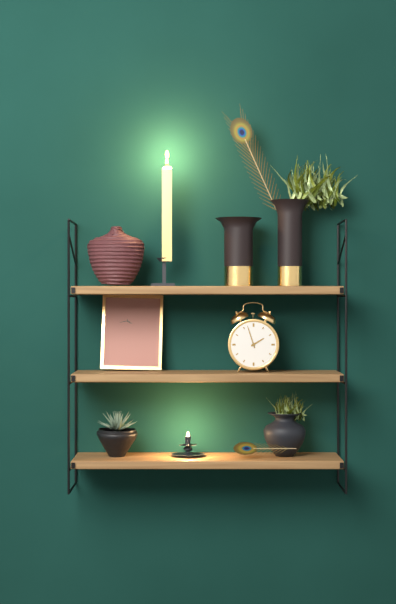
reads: 1,57
